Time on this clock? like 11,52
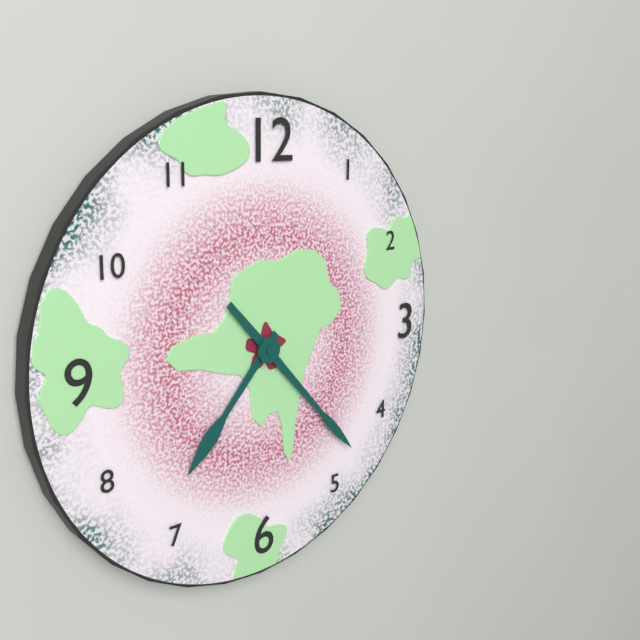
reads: 7,23
